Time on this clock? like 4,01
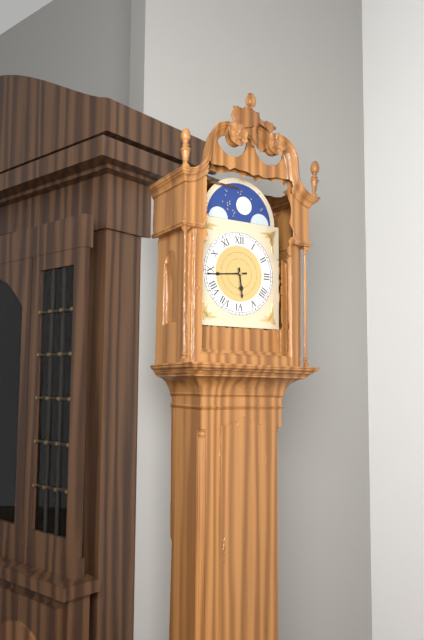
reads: 5,44
